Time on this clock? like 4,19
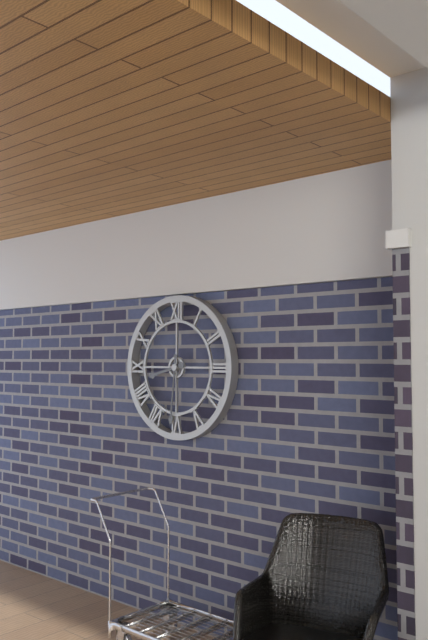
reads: 8,31
